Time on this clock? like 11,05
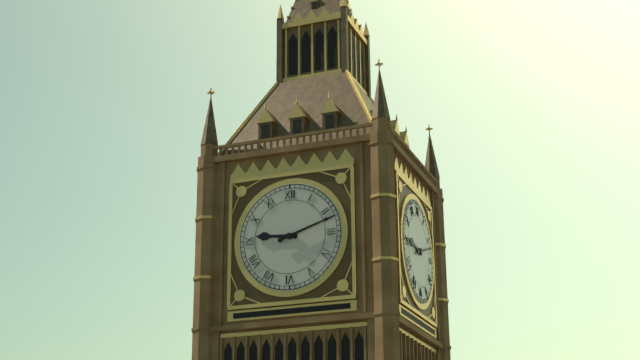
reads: 9,12
